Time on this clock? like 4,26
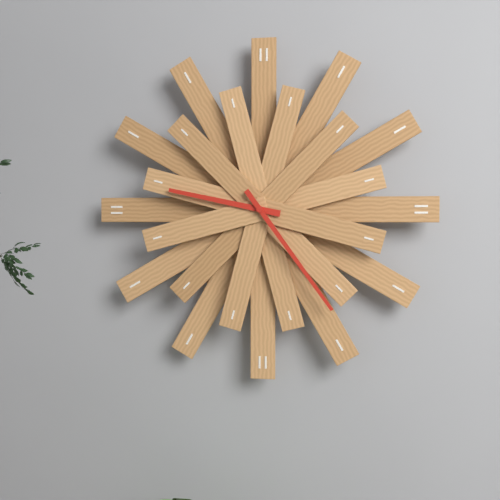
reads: 9,24
